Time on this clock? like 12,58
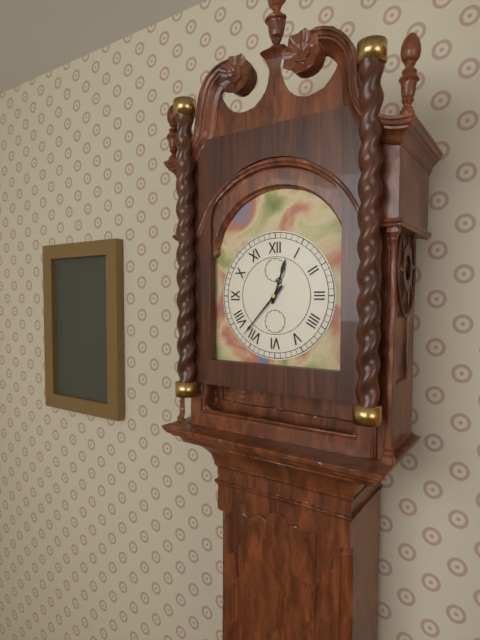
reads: 12,37
